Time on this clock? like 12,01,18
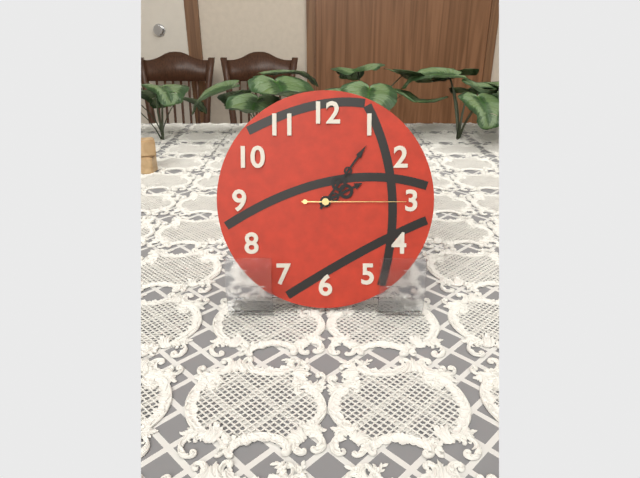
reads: 2,06,15
